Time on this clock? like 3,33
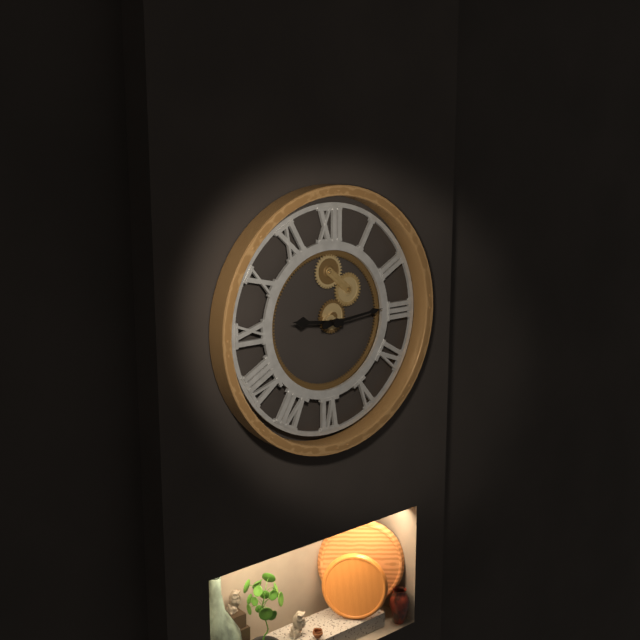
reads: 9,14
